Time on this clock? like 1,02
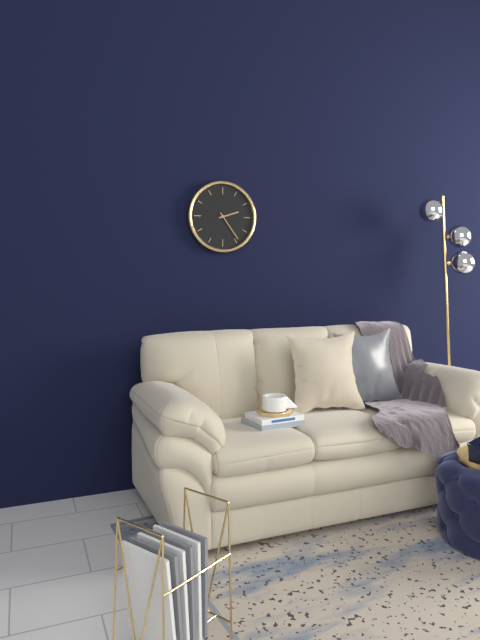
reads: 2,24
